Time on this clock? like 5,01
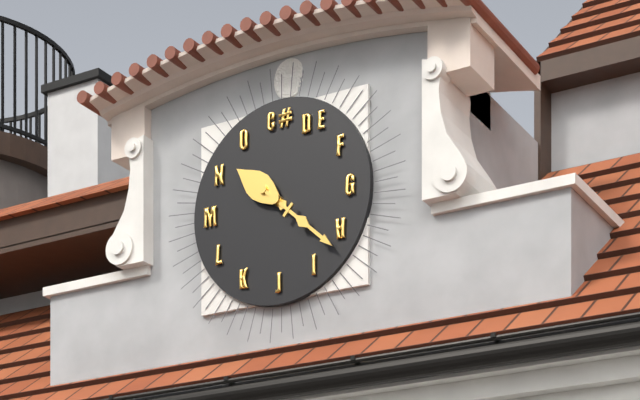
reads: 10,22
